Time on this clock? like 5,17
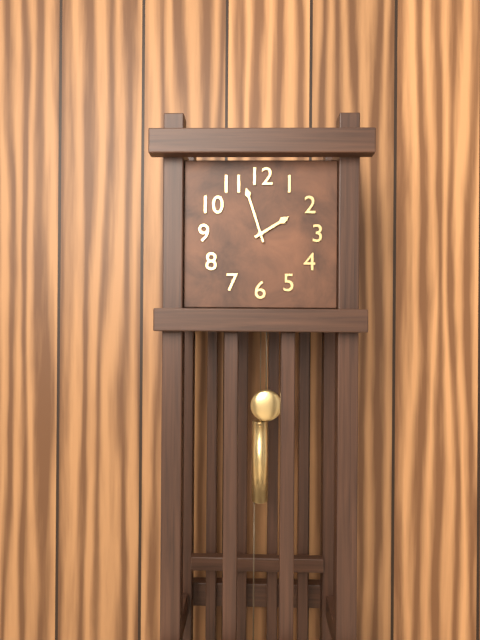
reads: 1,57
